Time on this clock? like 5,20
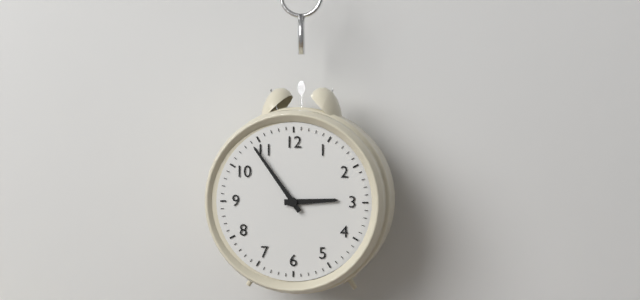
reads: 2,54
